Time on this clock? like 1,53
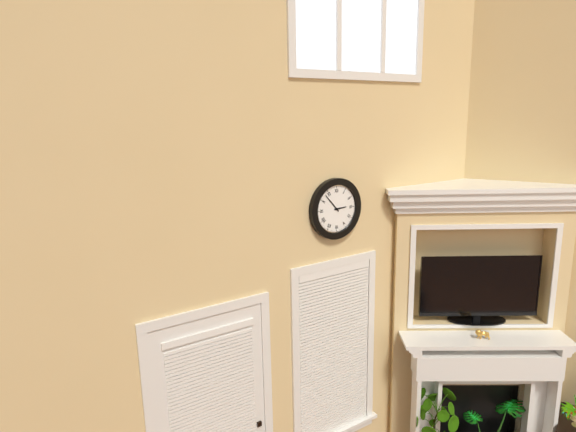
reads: 2,53
